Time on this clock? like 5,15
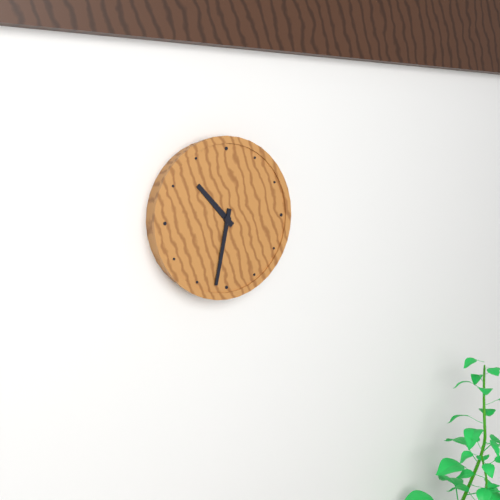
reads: 10,32
